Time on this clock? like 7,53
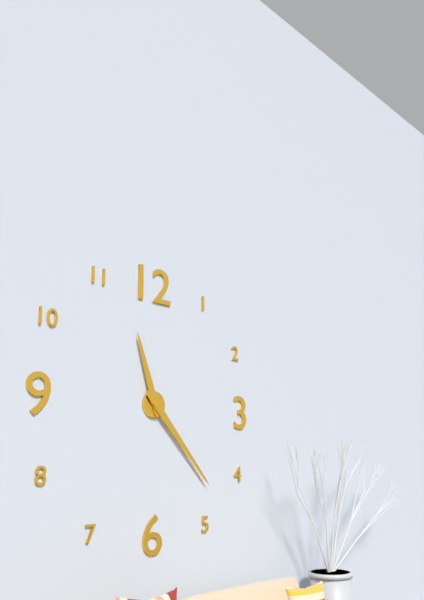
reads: 11,23
